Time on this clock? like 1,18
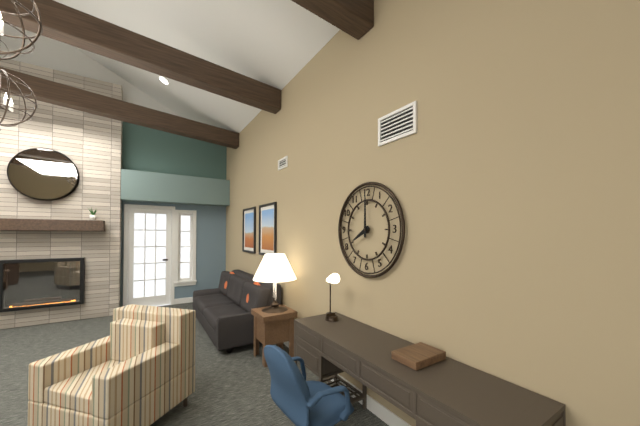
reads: 8,00
